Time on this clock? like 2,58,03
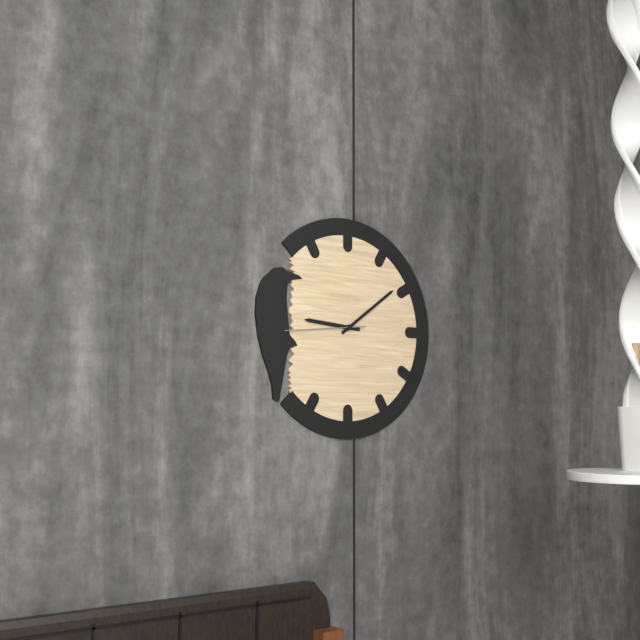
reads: 9,09,44
